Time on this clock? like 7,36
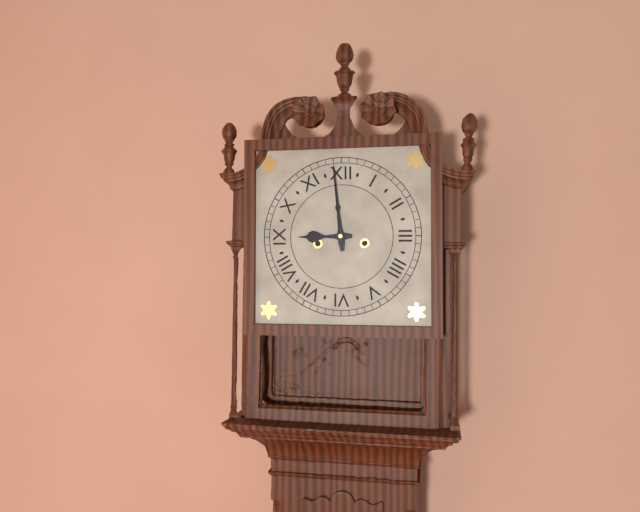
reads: 8,59
